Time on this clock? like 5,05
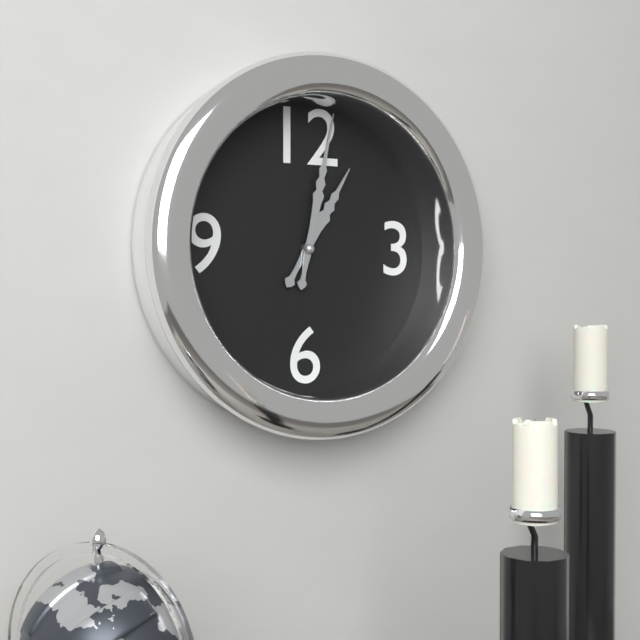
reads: 1,02
